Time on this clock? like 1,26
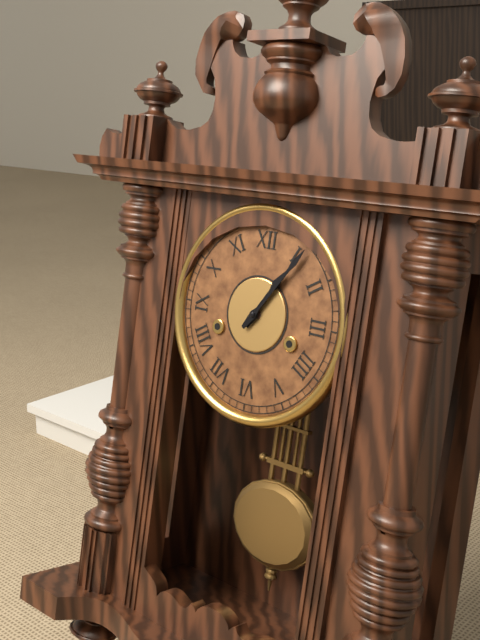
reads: 1,06
